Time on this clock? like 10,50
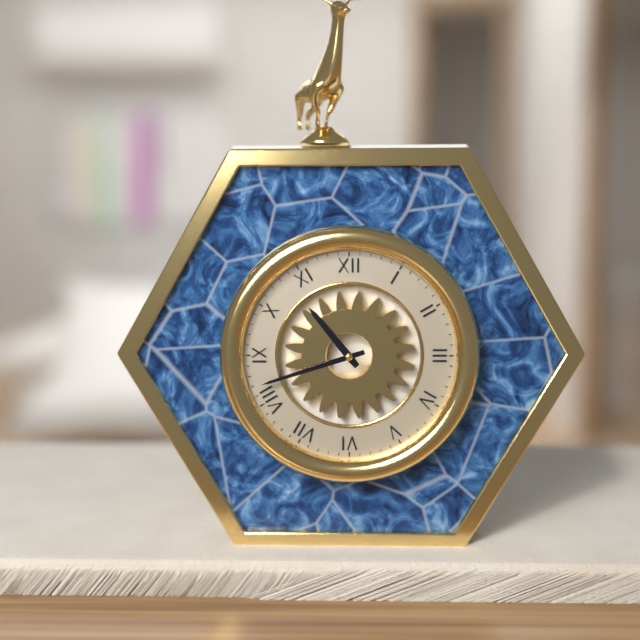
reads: 10,42
